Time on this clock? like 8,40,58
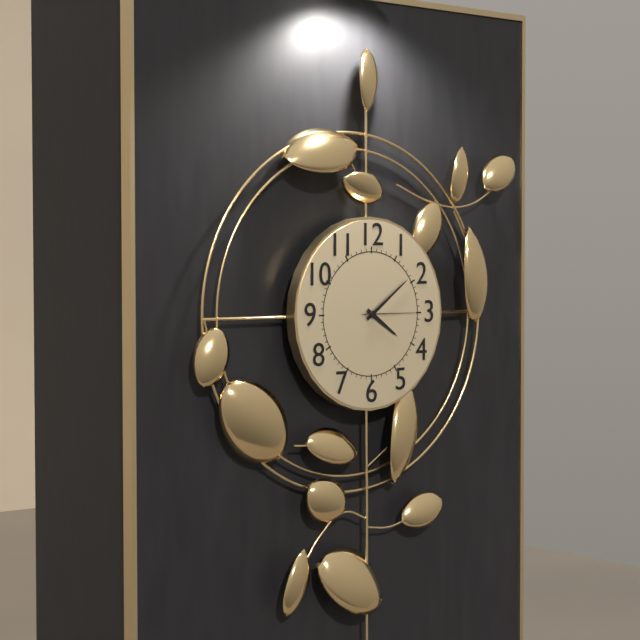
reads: 4,09,15
